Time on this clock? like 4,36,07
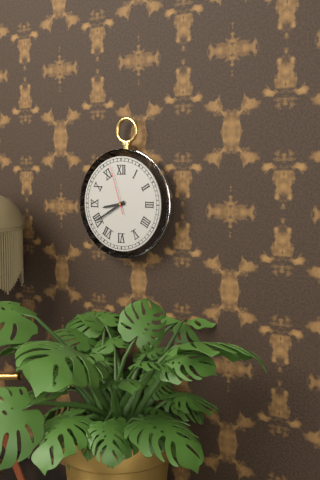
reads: 8,40,57
